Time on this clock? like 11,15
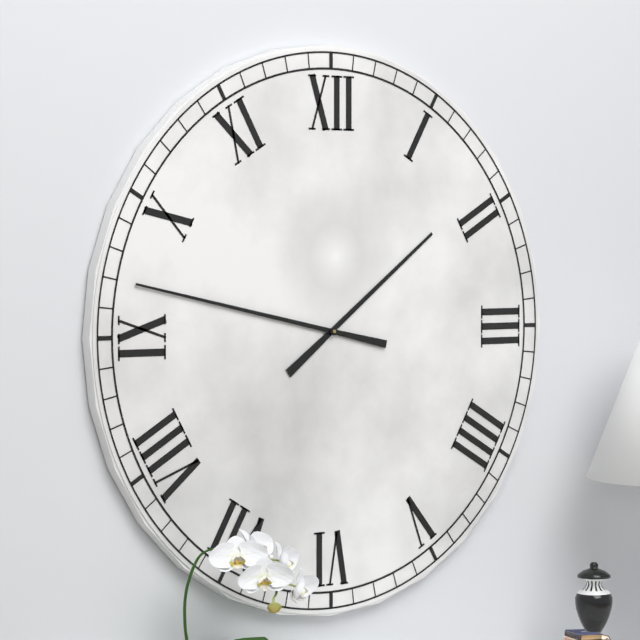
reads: 1,47
